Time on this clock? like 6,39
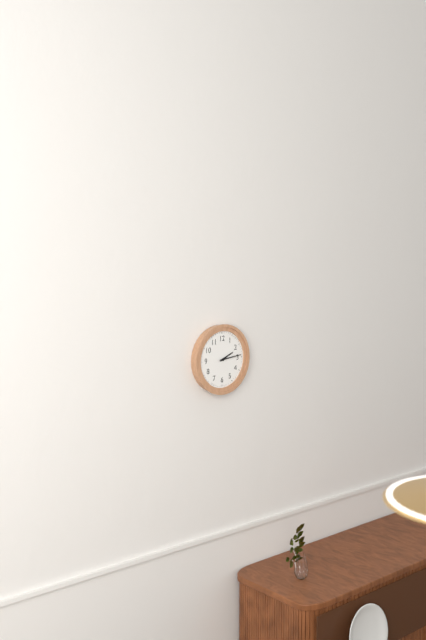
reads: 2,14
